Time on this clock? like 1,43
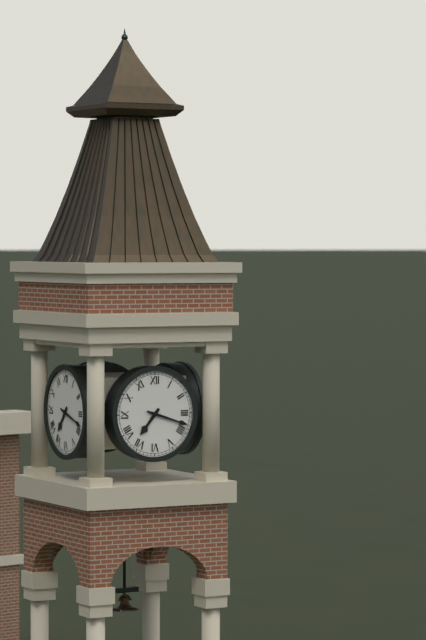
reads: 7,18
